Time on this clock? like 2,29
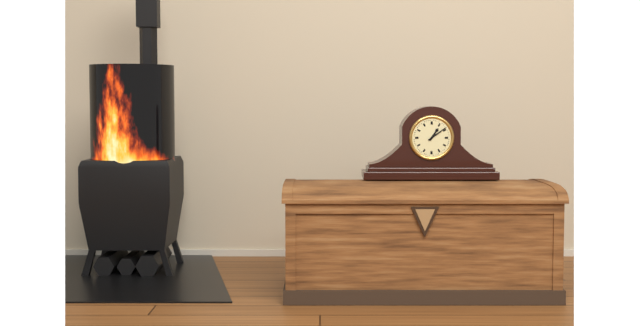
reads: 1,09
